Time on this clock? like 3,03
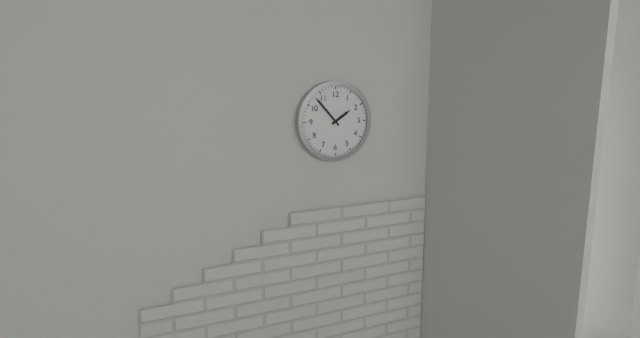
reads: 1,53
